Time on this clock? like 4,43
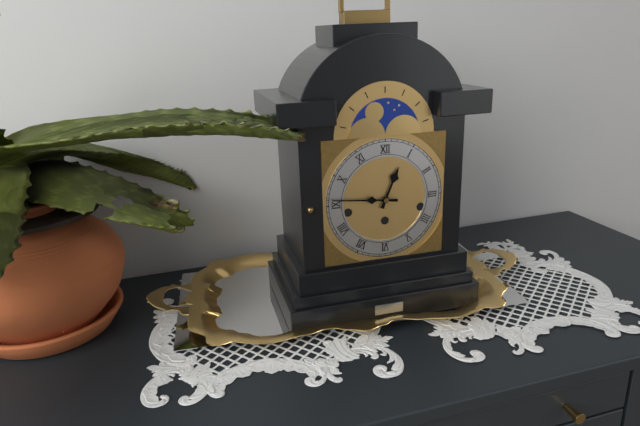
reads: 12,46
